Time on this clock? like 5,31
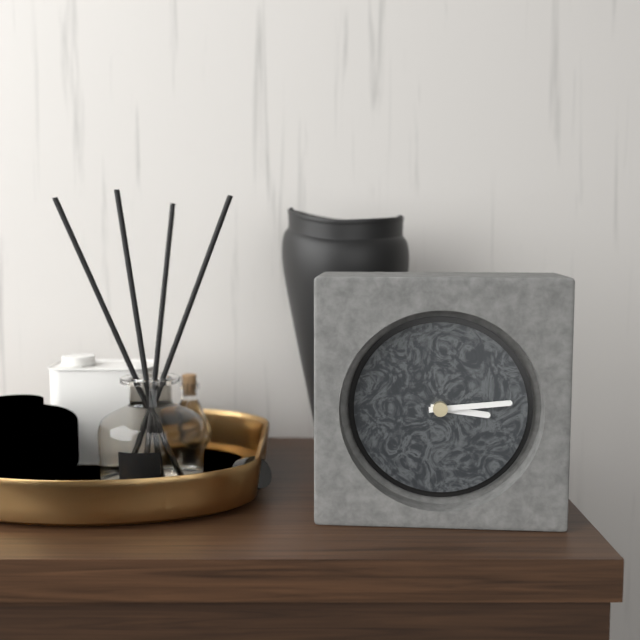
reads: 3,14
